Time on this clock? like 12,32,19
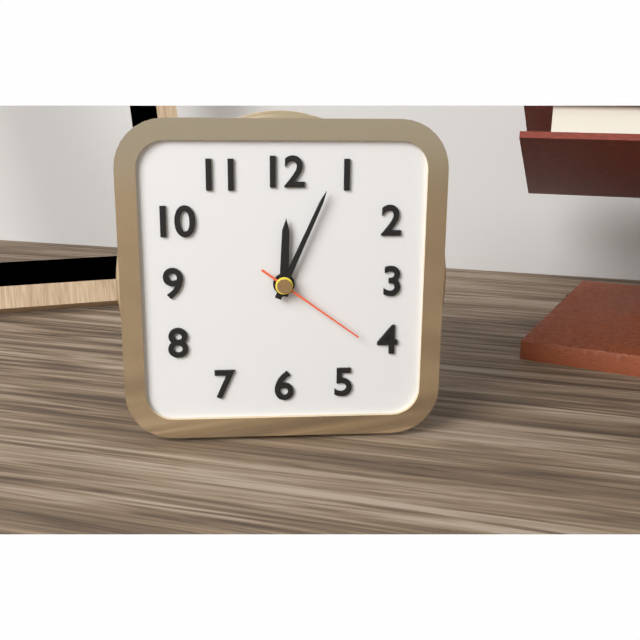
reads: 12,04,21
